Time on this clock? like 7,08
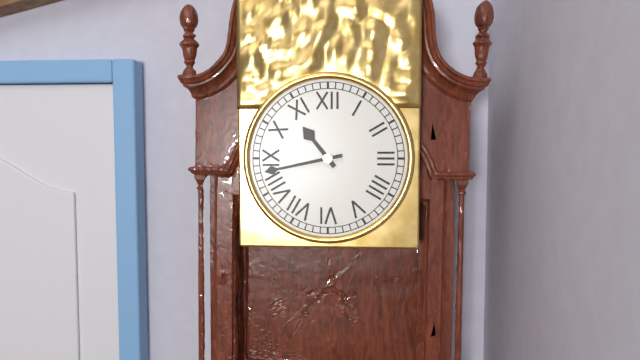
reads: 10,43
